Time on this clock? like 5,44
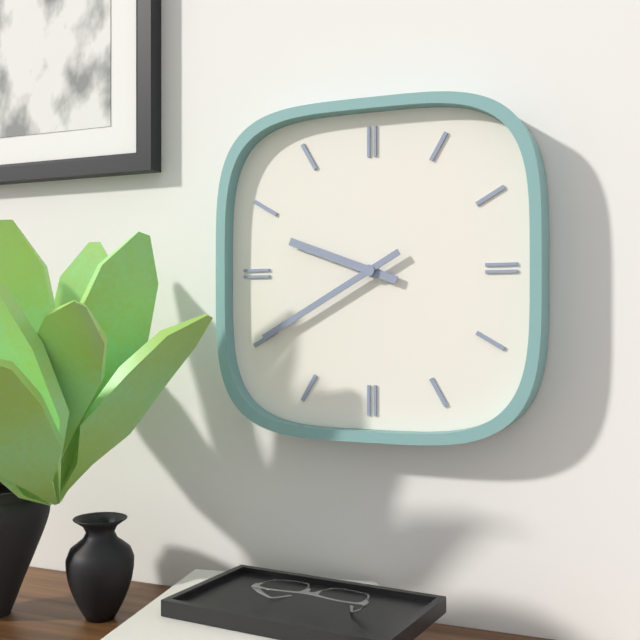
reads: 9,40
